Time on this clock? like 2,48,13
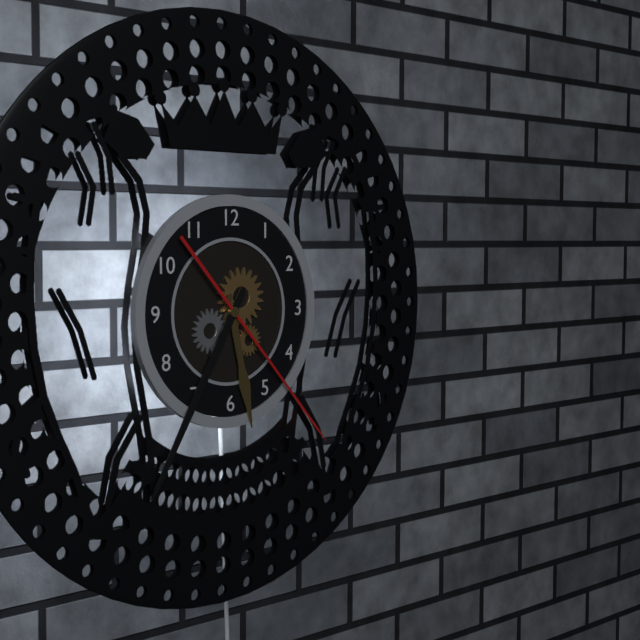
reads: 5,35,23
